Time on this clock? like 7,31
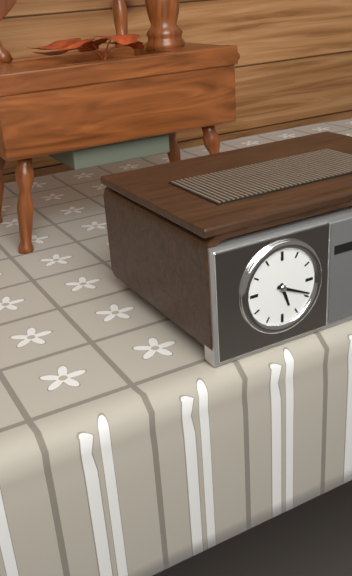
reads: 5,19
